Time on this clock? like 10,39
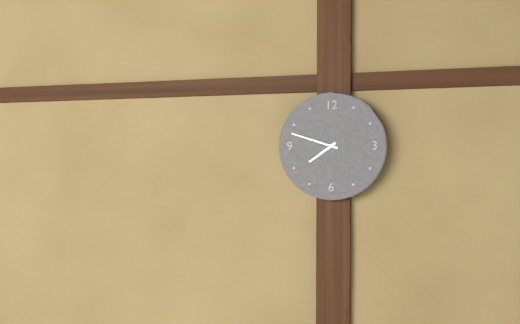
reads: 7,48
